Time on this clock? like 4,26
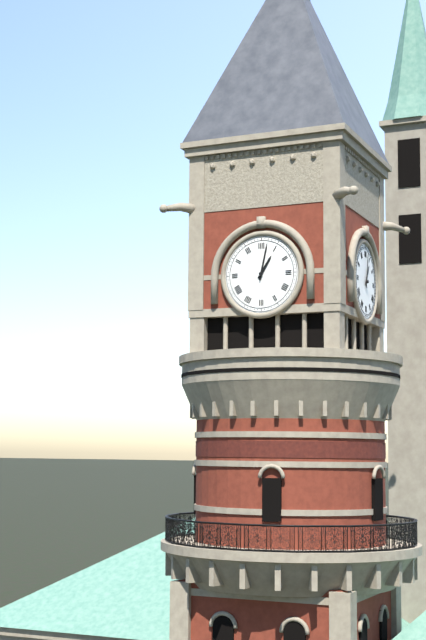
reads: 1,02
